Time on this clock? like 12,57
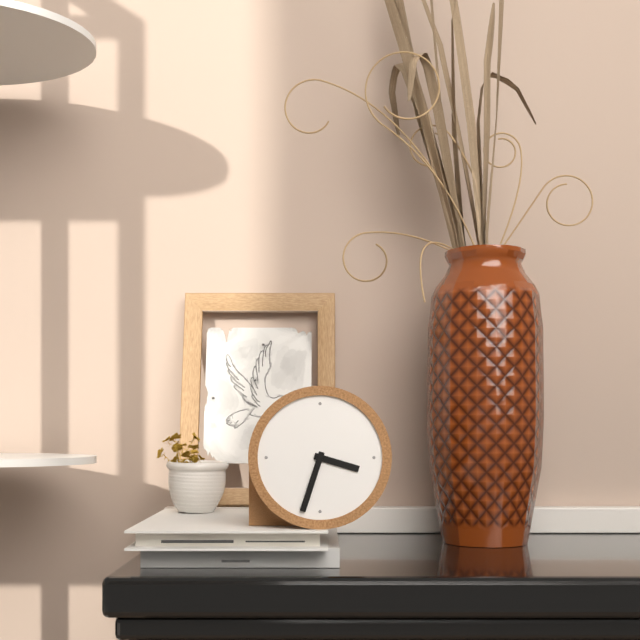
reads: 3,33
